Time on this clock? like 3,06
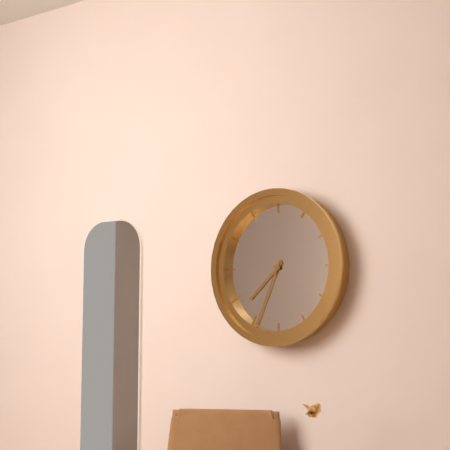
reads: 7,34
